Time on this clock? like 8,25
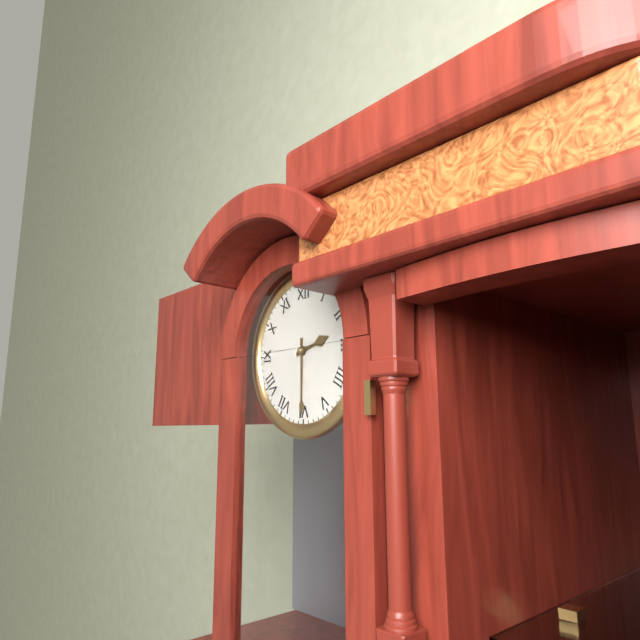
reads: 2,30
